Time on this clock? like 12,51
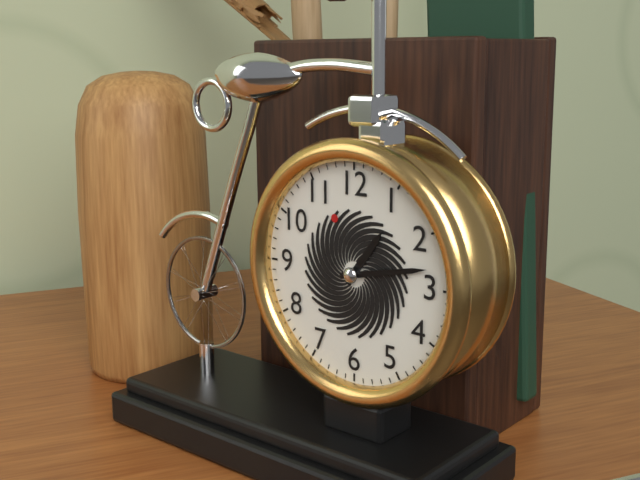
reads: 1,13
